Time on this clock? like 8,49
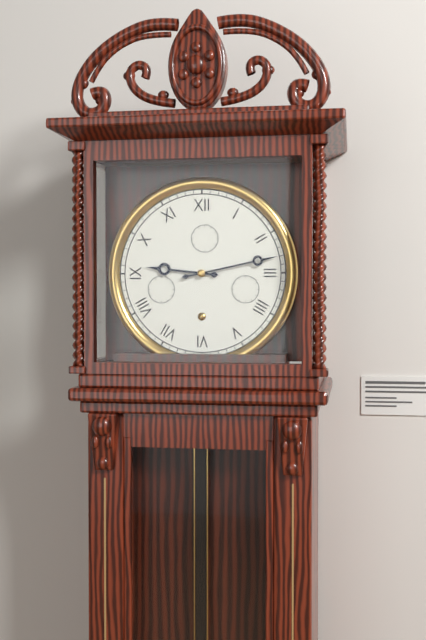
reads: 9,13
